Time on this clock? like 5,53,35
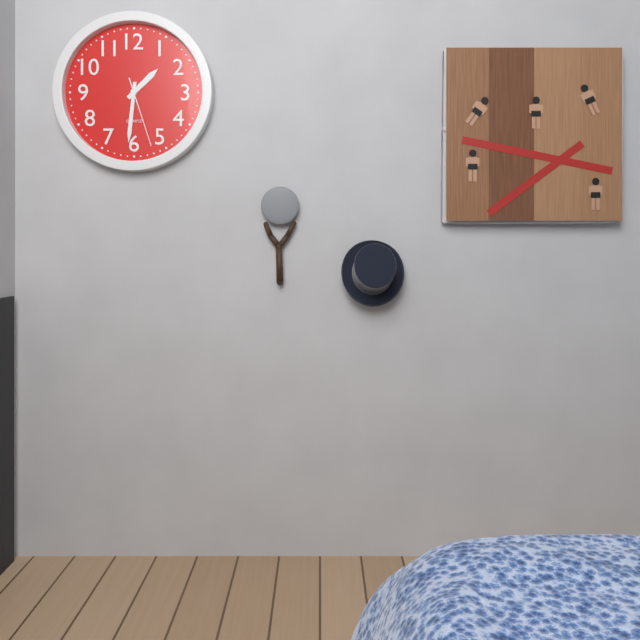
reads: 1,31,27
